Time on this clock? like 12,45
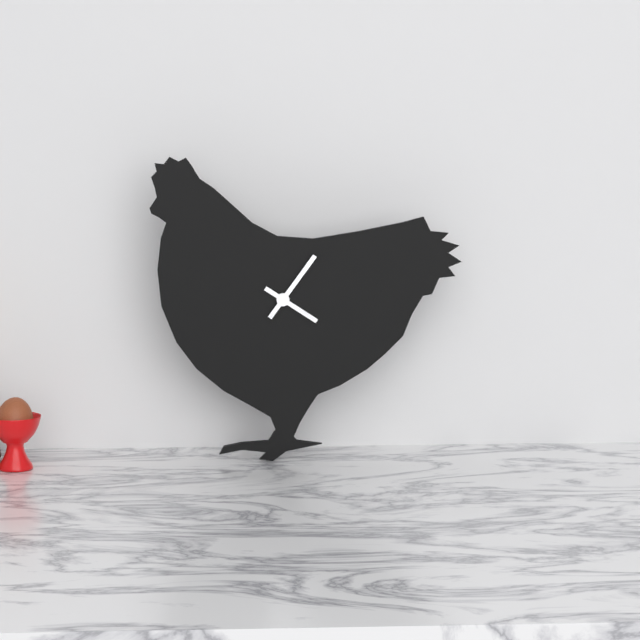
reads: 4,06
